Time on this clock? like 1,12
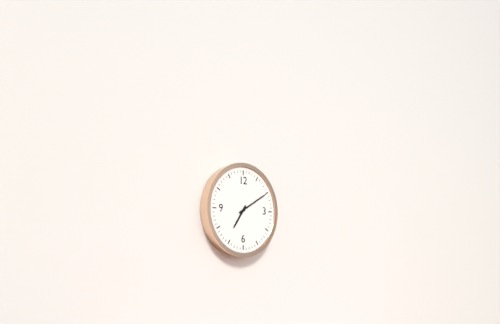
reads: 7,10
